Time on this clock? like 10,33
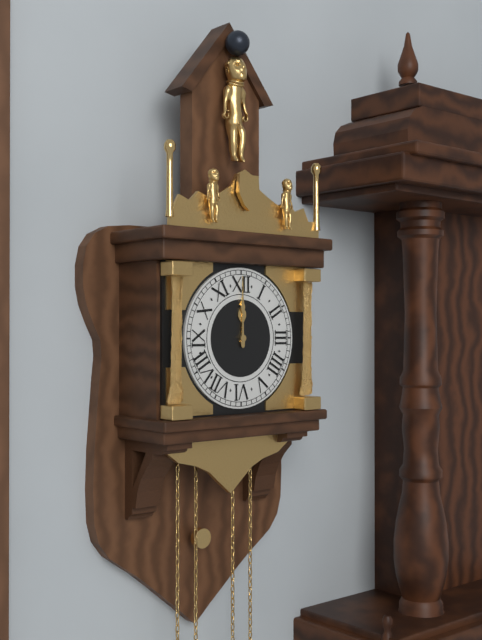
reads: 12,00
